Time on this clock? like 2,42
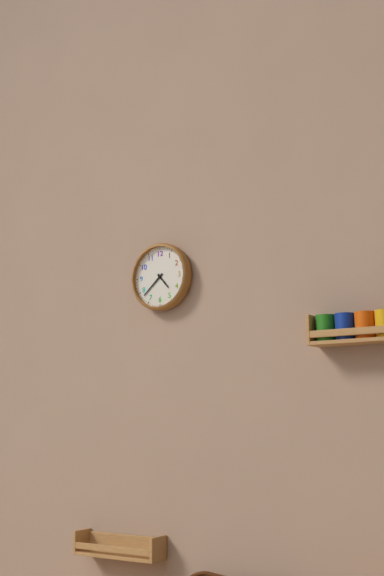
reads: 4,38
